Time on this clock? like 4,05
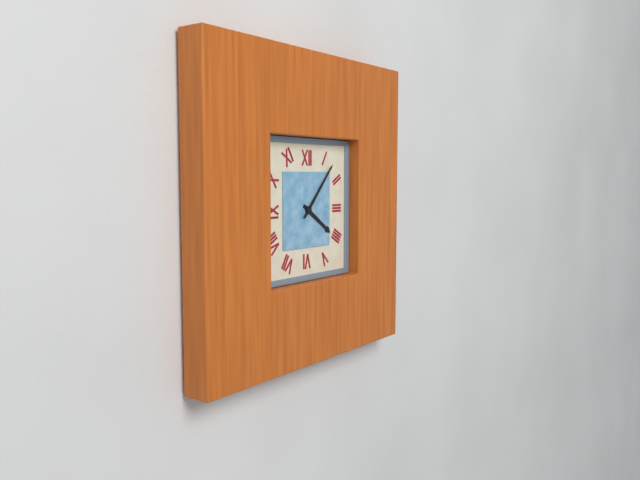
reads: 4,07
